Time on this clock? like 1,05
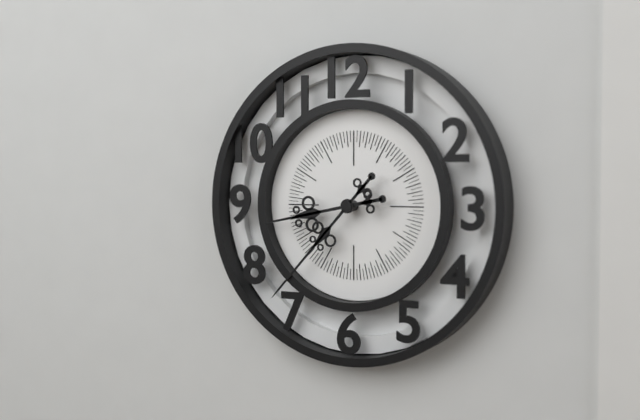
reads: 8,37
